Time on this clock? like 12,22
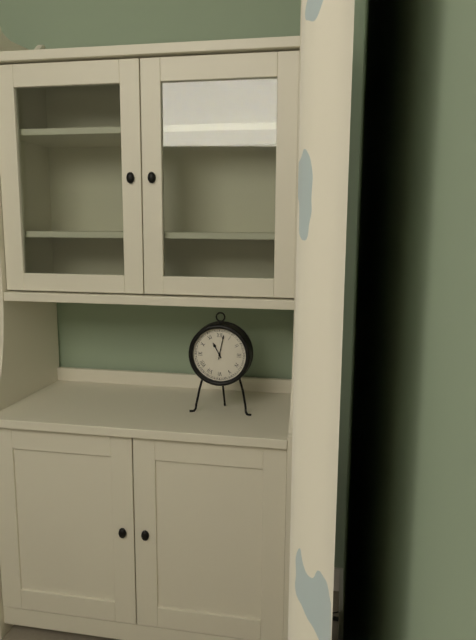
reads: 11,02
